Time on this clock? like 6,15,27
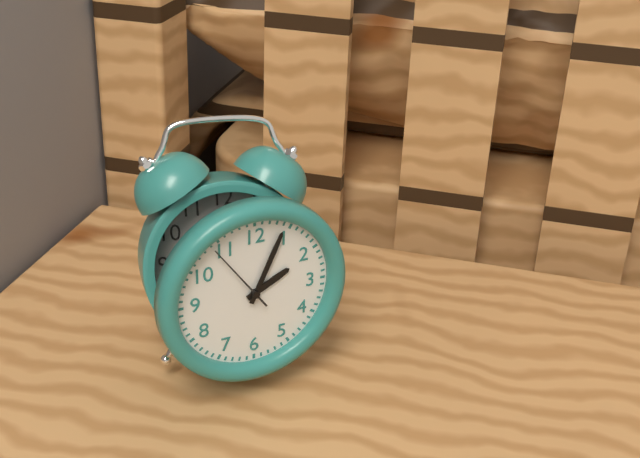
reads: 2,04,54
